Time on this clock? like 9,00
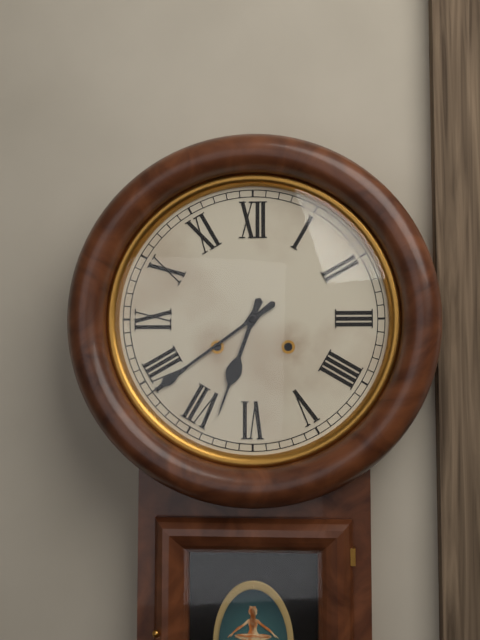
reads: 6,39
